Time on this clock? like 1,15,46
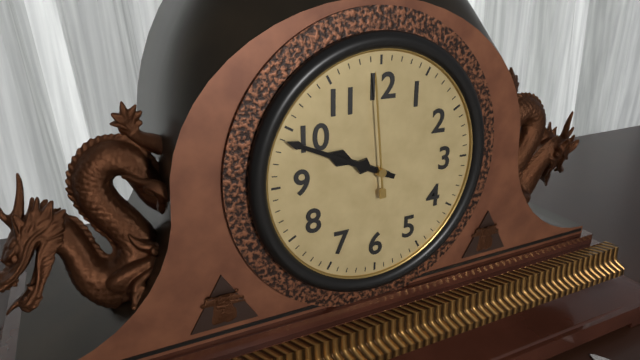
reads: 9,49,59
